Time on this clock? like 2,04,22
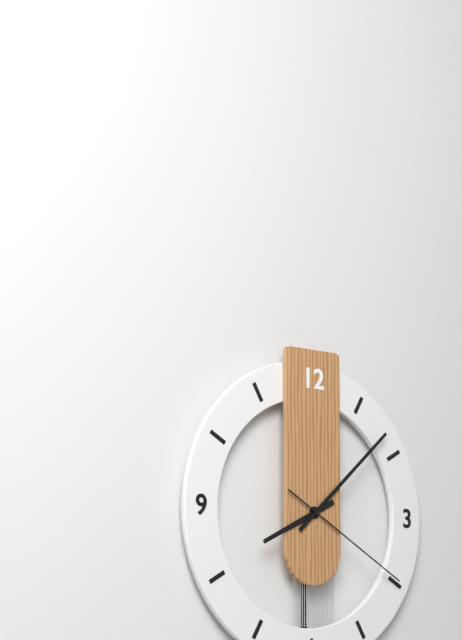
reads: 8,08,20
